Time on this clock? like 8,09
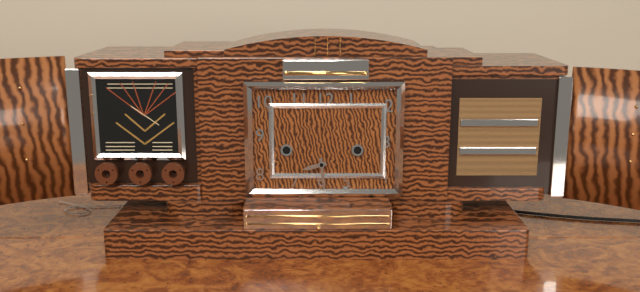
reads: 8,29
